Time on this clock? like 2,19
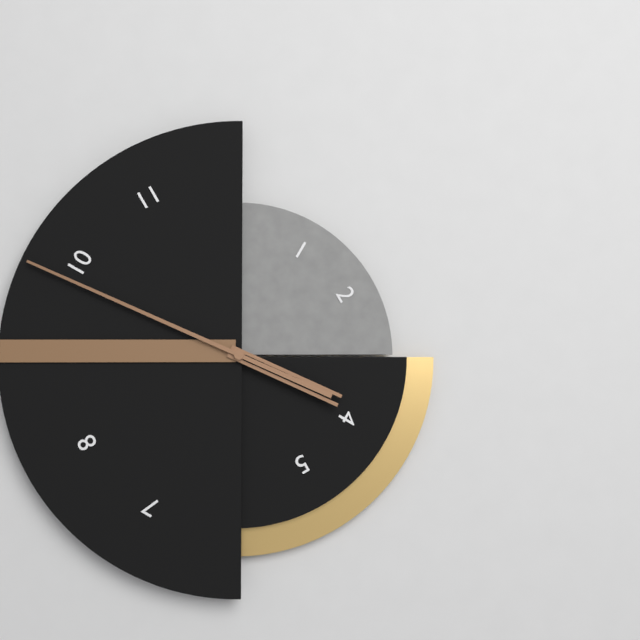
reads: 3,49
